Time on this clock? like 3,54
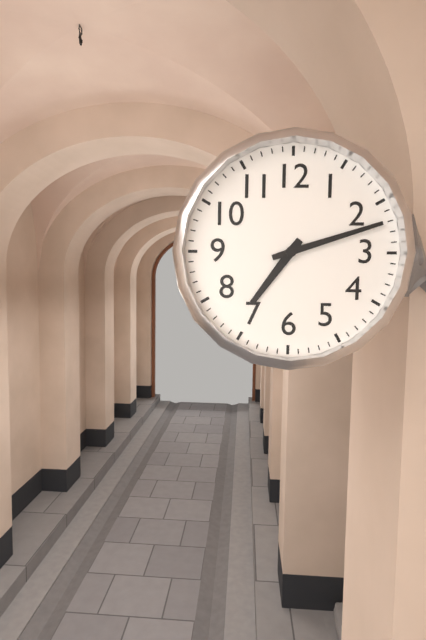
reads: 7,12
